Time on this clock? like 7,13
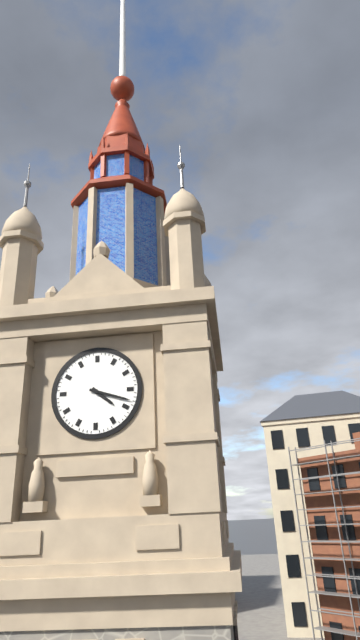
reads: 4,18
